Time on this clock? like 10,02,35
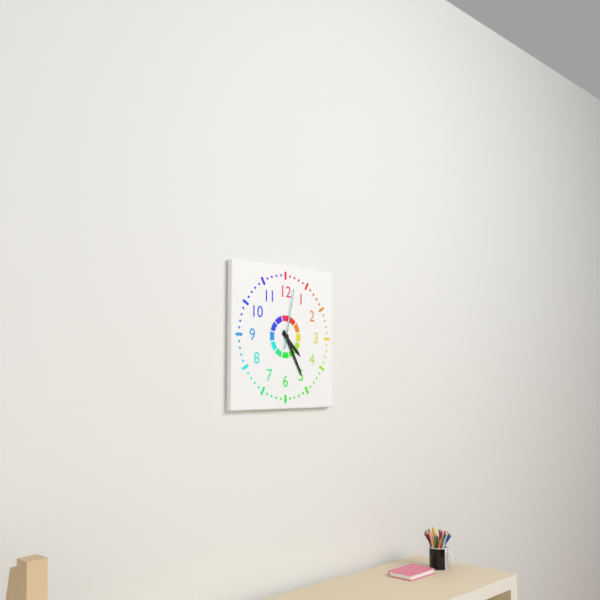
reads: 4,25,02
